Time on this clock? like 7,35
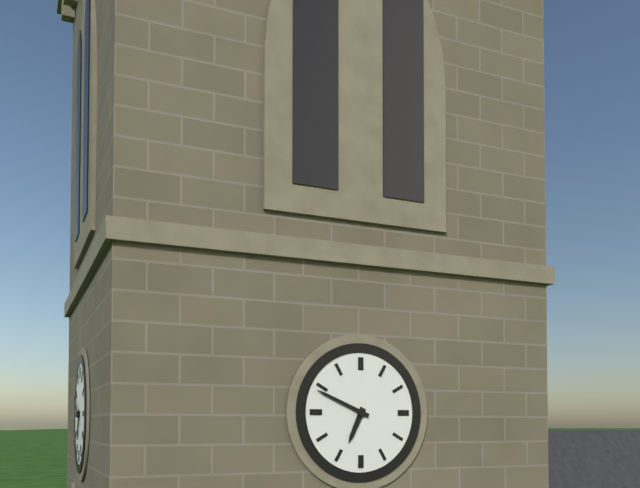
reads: 6,49
